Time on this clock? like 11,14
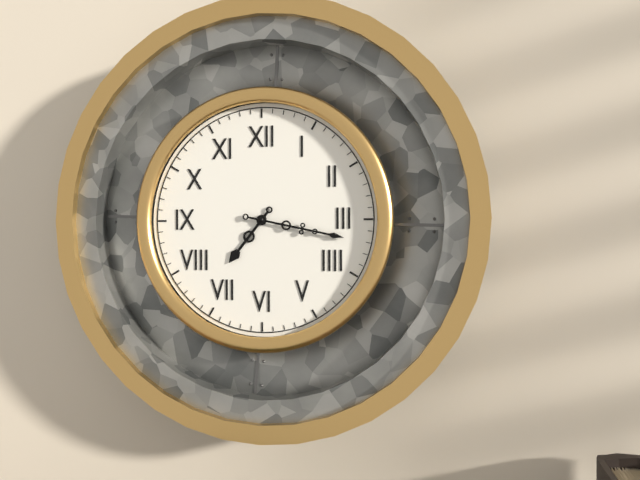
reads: 7,17
